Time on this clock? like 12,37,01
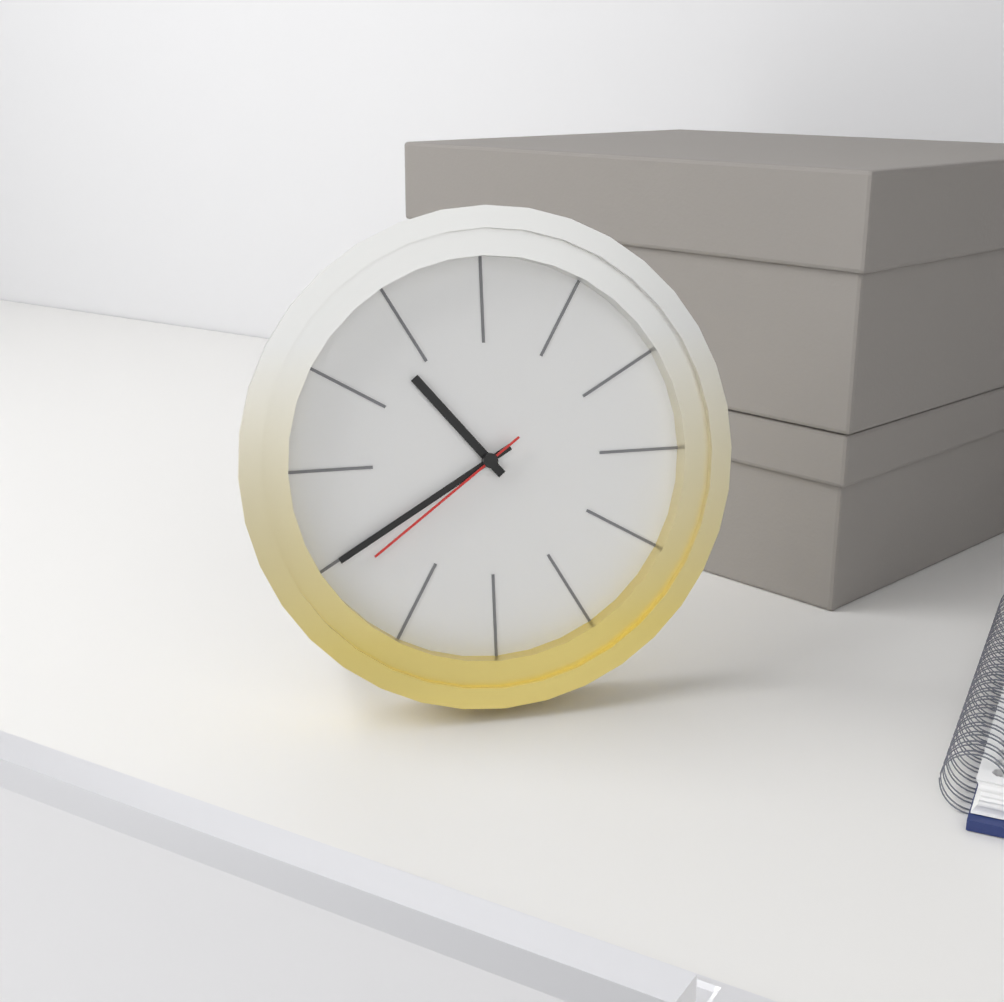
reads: 10,40,39
